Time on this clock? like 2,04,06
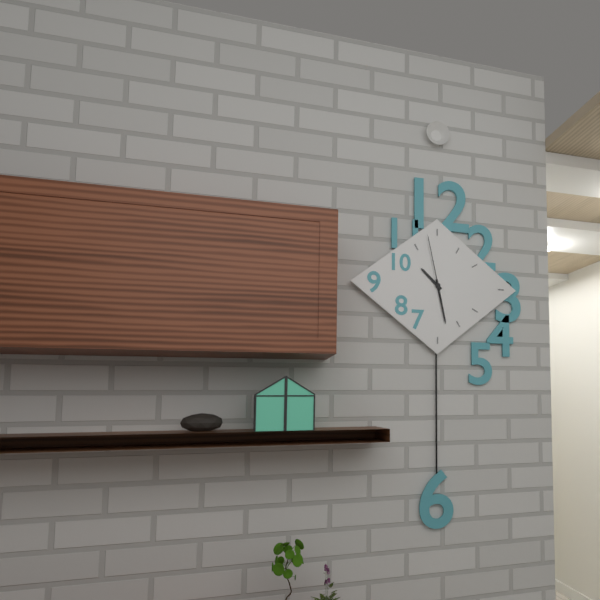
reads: 10,28,58
